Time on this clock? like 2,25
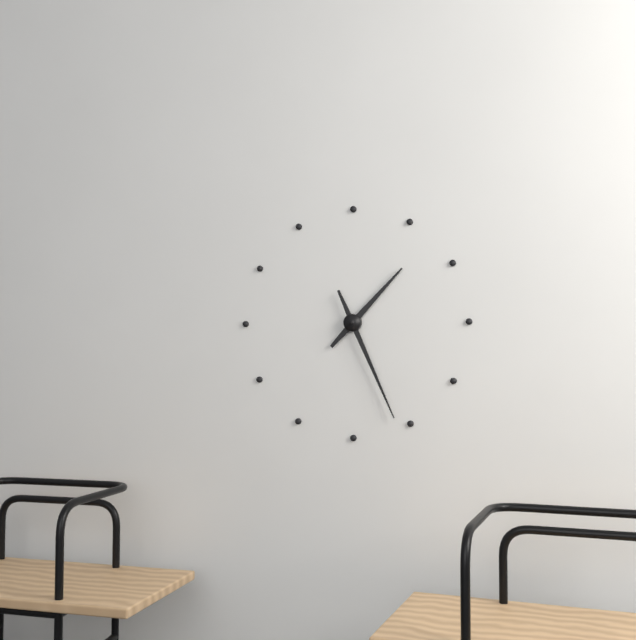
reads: 1,26
